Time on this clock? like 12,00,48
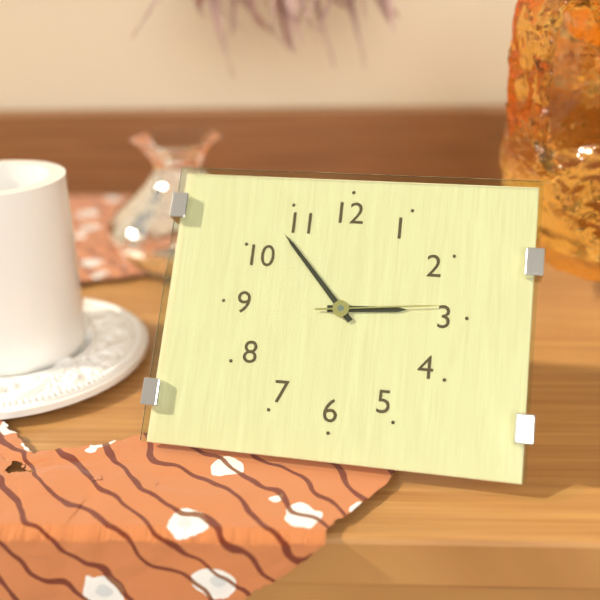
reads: 2,53,14
